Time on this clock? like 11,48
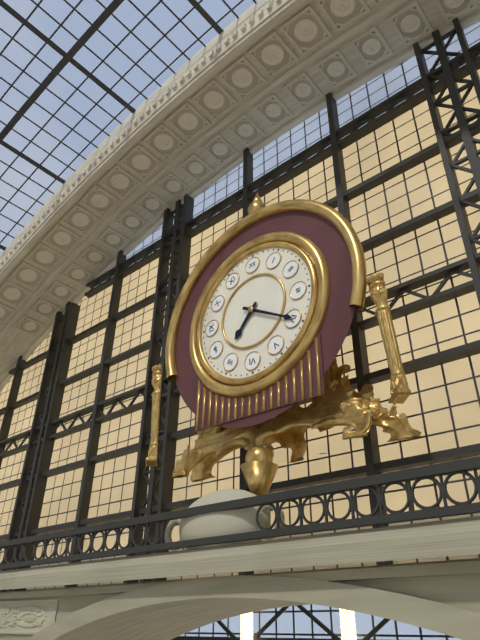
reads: 7,20
